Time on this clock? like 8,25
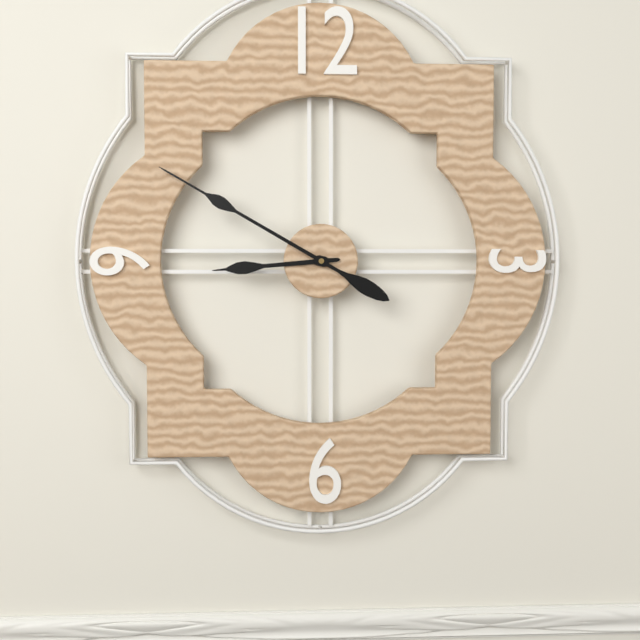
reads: 8,50
